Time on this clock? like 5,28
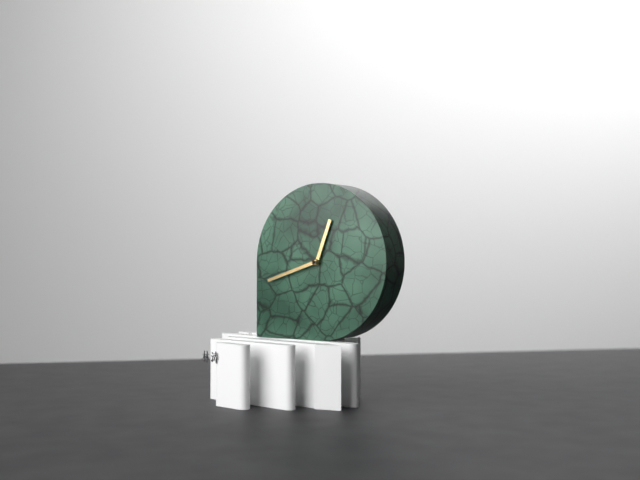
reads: 12,42
